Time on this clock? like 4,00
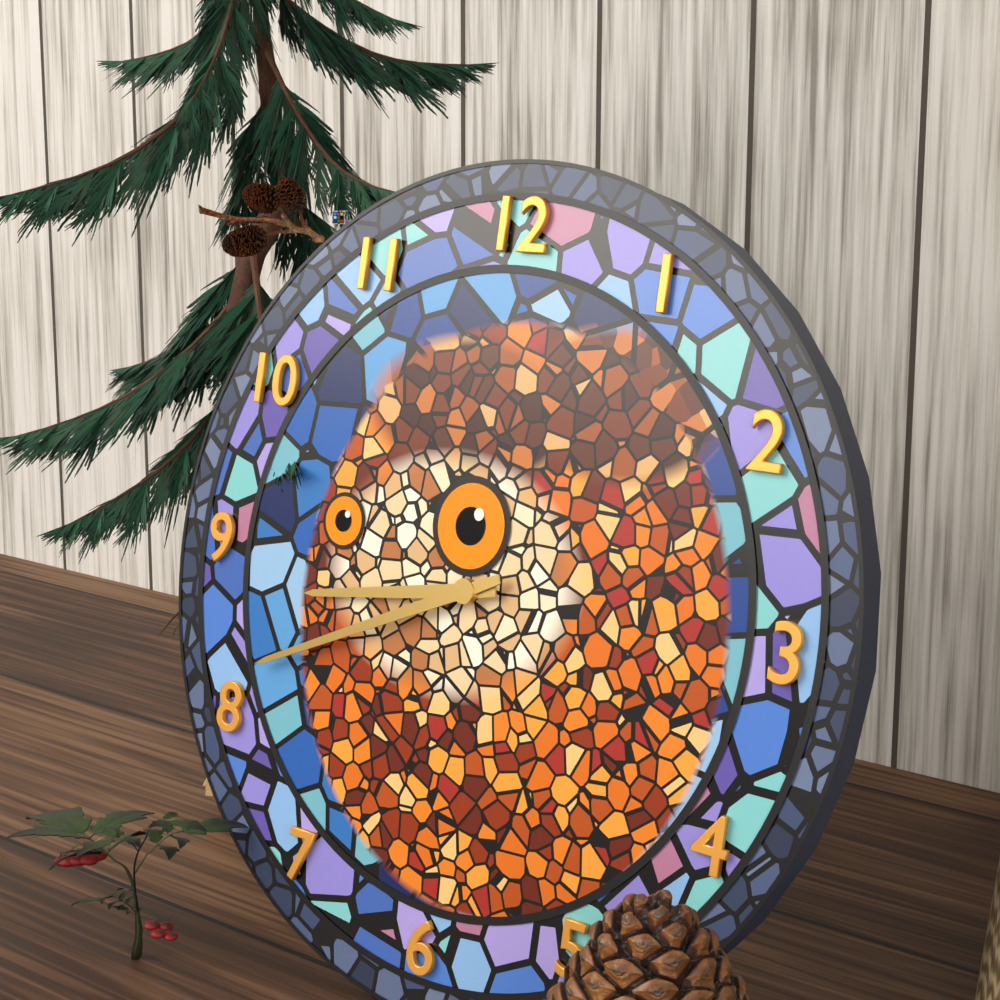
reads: 8,41
